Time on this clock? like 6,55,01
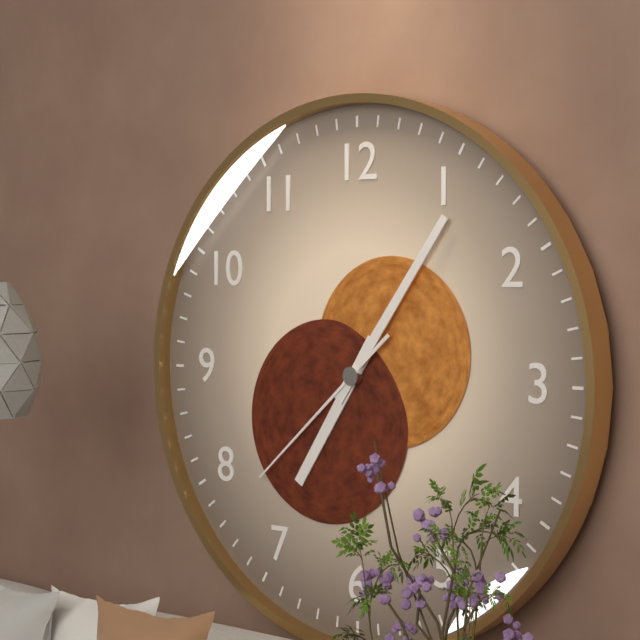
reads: 7,06,38
